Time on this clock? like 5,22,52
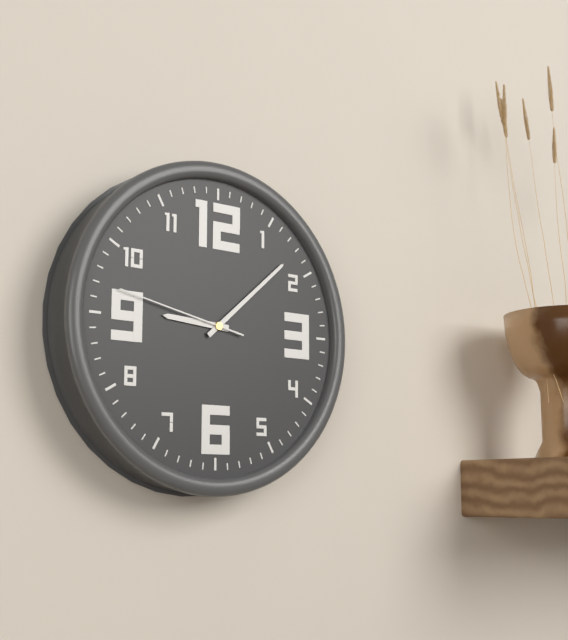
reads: 9,08,47
